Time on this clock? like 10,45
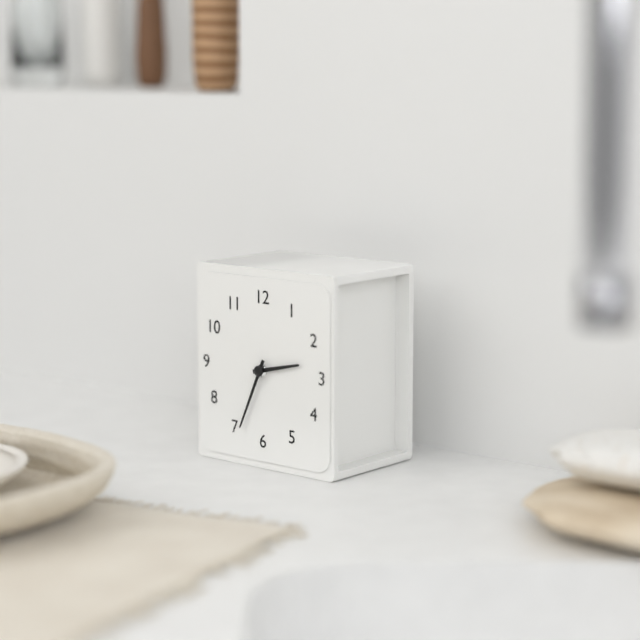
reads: 2,34
